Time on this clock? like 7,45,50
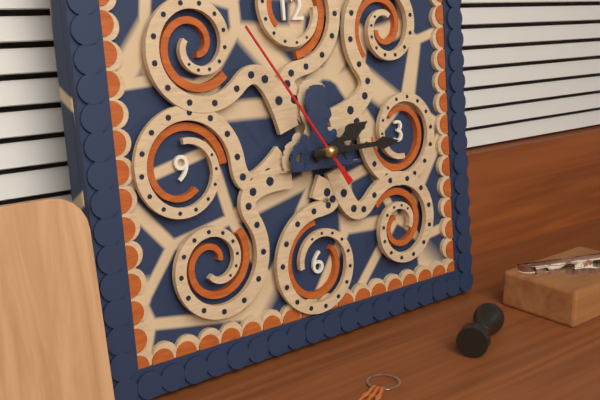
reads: 2,15,54
